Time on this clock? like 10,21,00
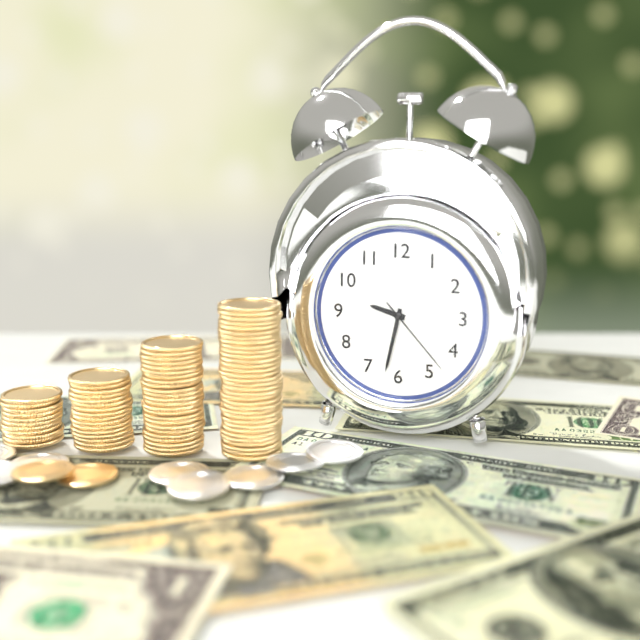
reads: 9,32,23
